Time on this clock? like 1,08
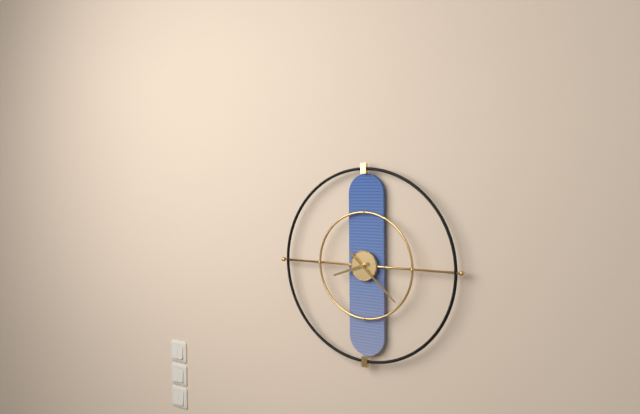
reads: 8,22
